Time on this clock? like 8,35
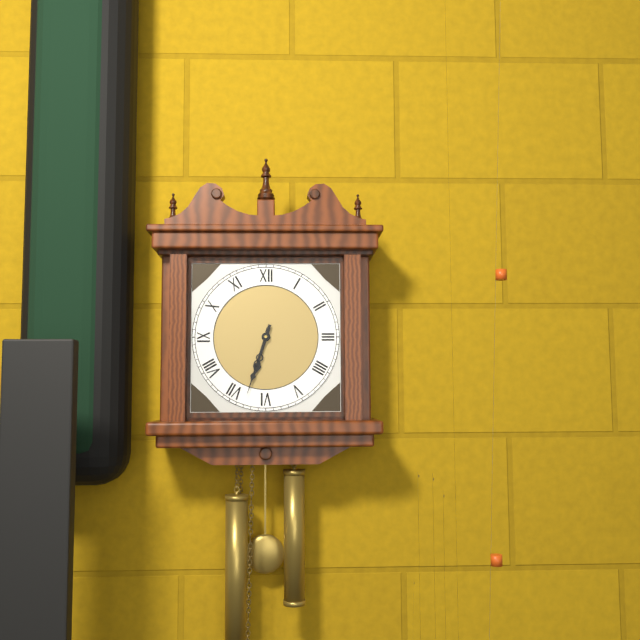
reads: 6,33
